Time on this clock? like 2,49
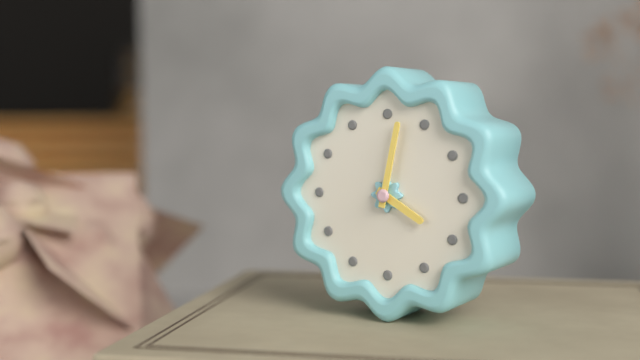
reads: 4,02
